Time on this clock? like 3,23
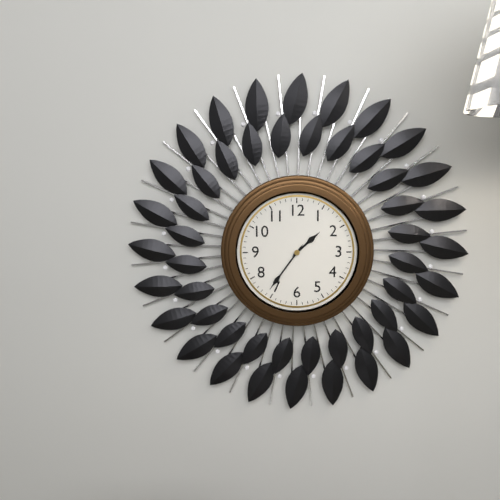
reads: 1,36
